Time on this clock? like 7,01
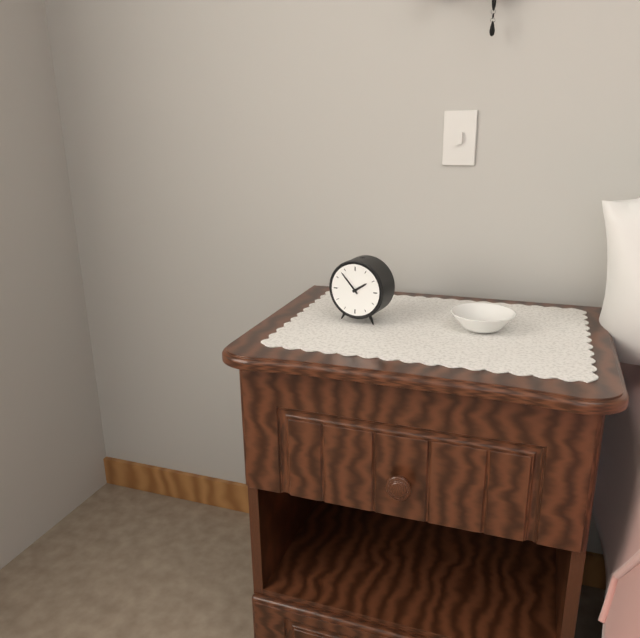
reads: 1,53
